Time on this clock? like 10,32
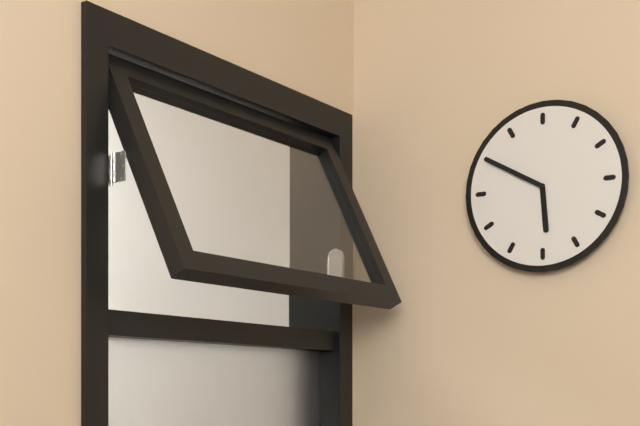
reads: 5,50
